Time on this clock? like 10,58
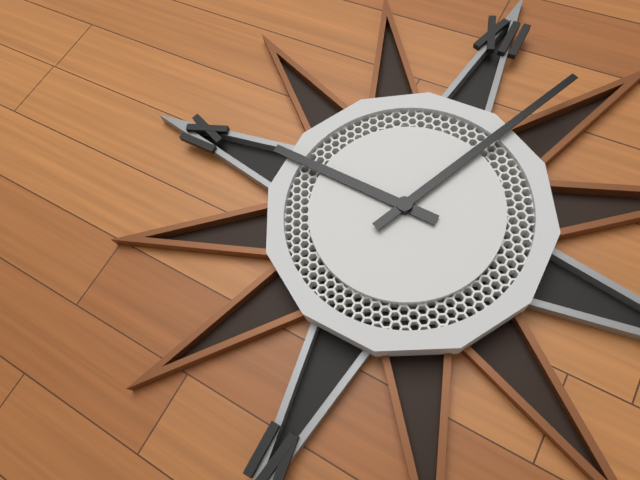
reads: 9,04
